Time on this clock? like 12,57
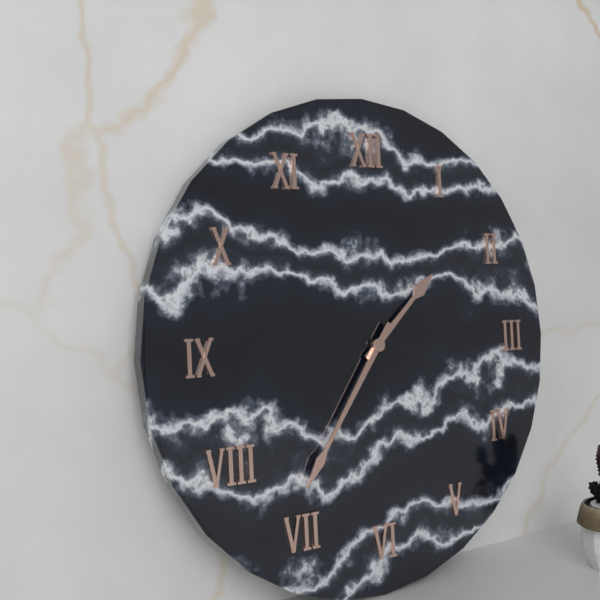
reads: 1,36
